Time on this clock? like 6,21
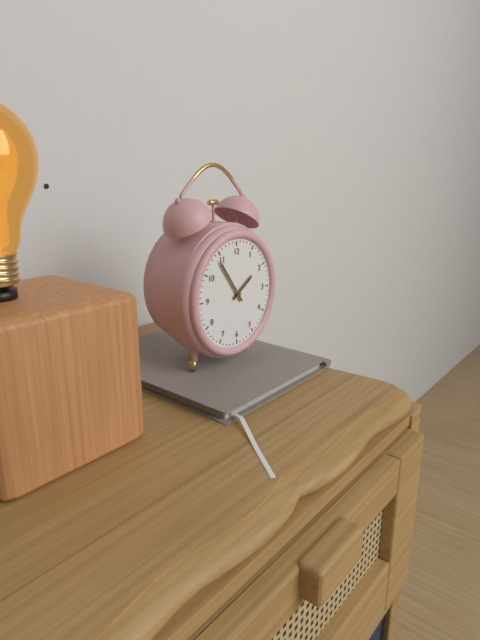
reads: 1,54
